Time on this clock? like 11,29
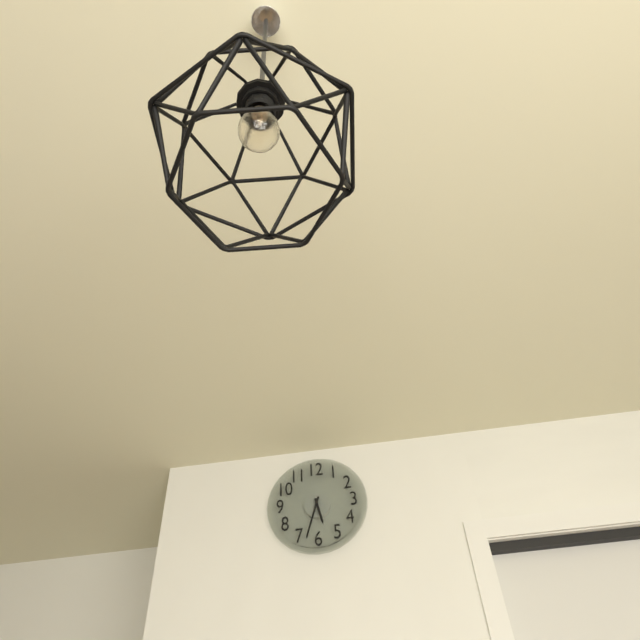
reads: 5,33
